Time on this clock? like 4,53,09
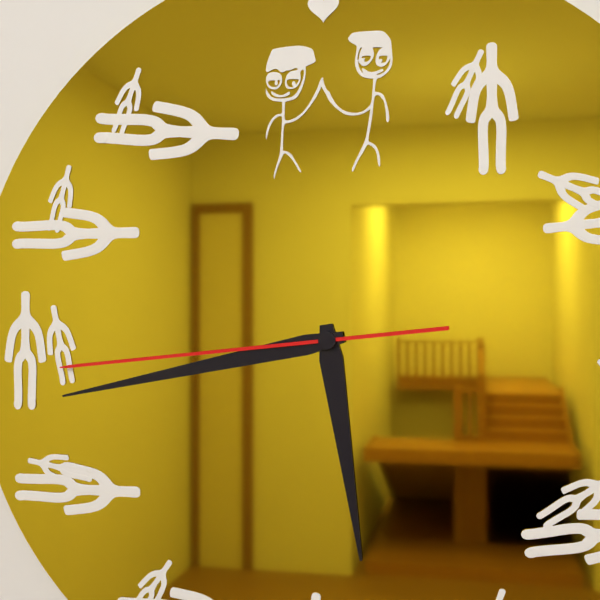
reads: 5,43,44
